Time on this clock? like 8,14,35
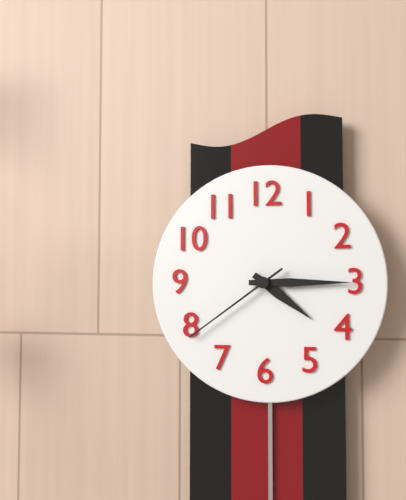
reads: 4,15,39
